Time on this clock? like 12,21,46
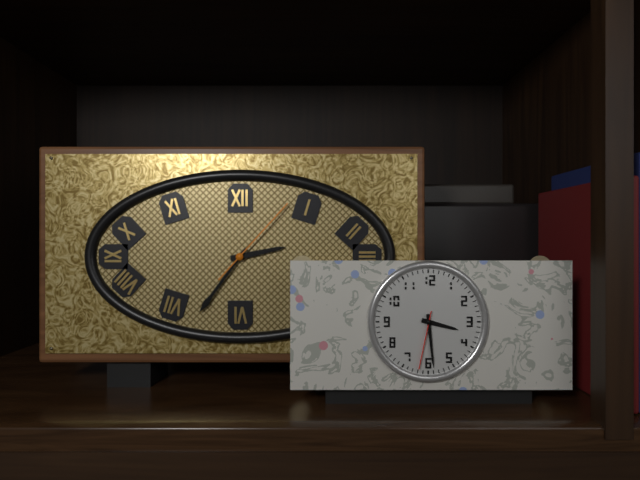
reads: 2,36,07
